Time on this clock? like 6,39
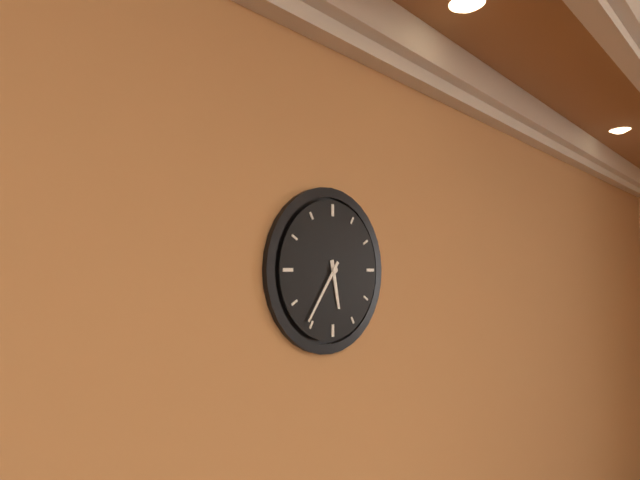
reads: 5,36
